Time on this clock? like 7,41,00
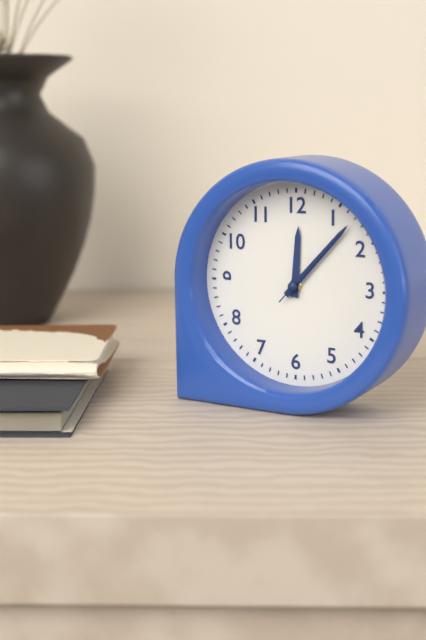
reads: 12,07,07
